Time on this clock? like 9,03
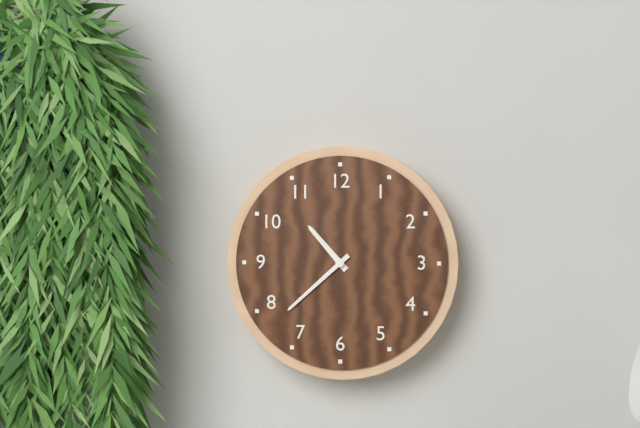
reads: 10,38
